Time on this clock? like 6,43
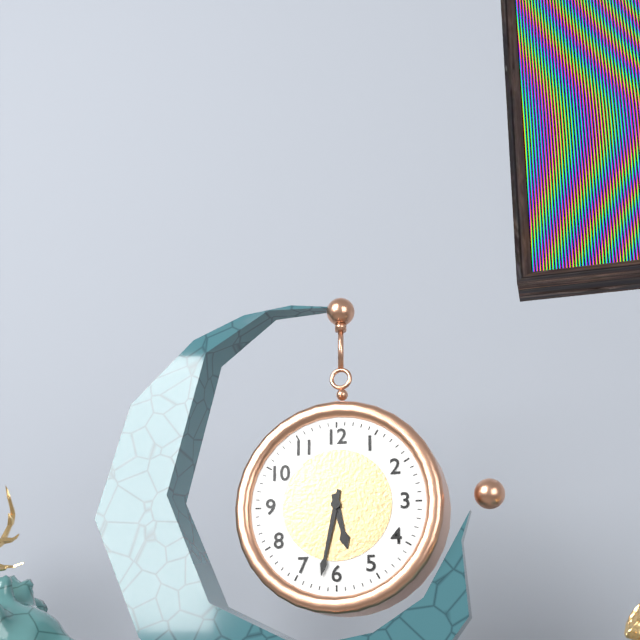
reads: 5,32
